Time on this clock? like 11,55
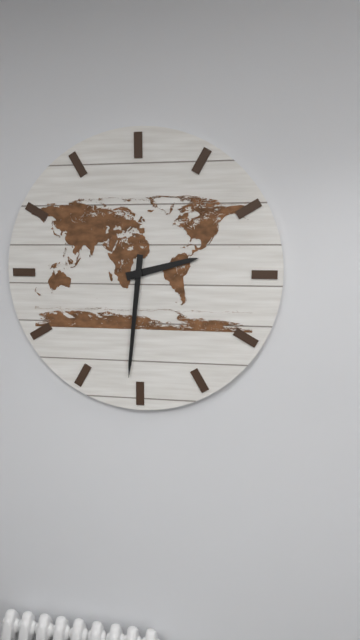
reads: 2,31
